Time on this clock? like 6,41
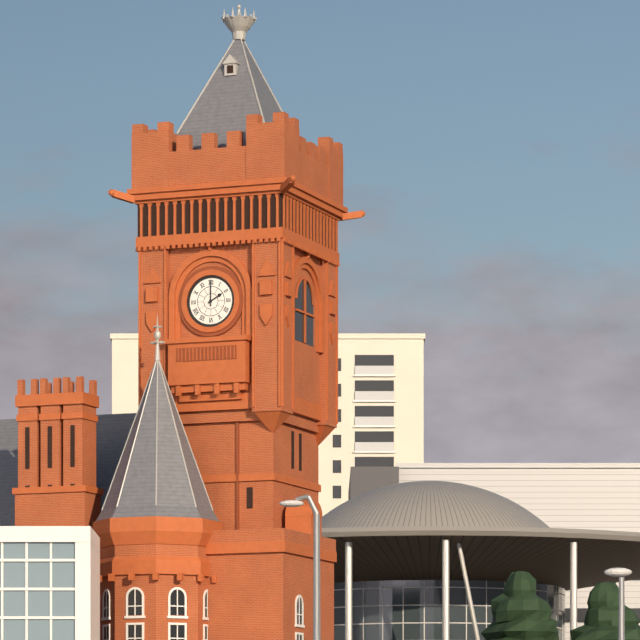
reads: 2,00
